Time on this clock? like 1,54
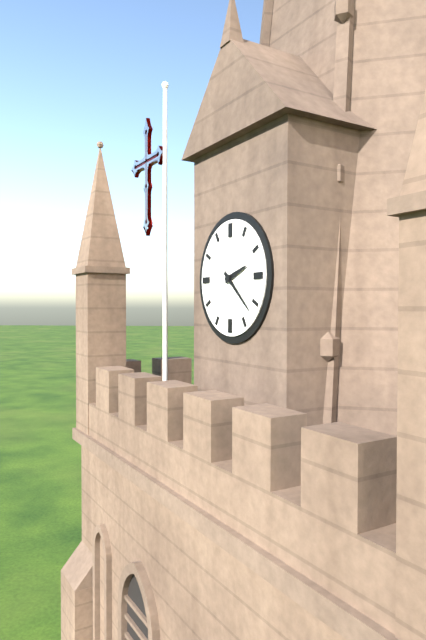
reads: 2,22
